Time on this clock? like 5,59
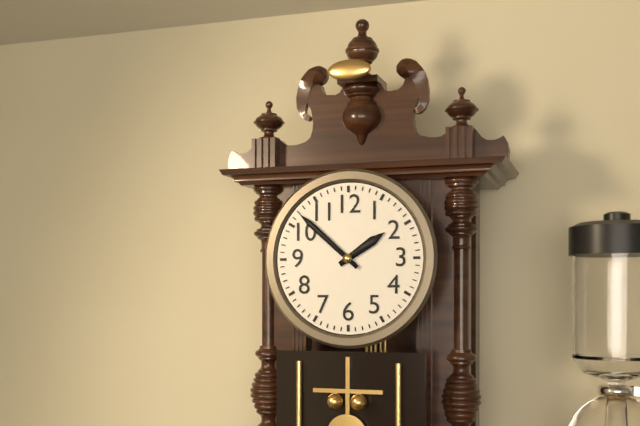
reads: 1,52
